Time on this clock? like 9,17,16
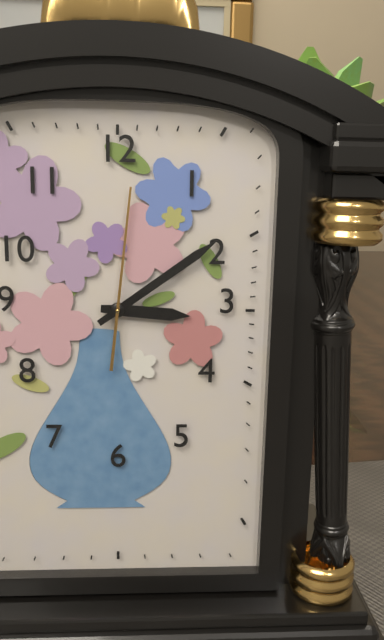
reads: 3,09,01
